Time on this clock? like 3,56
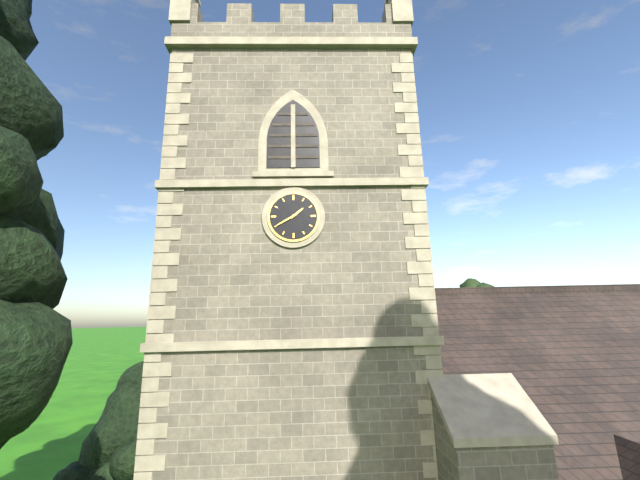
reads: 1,40
